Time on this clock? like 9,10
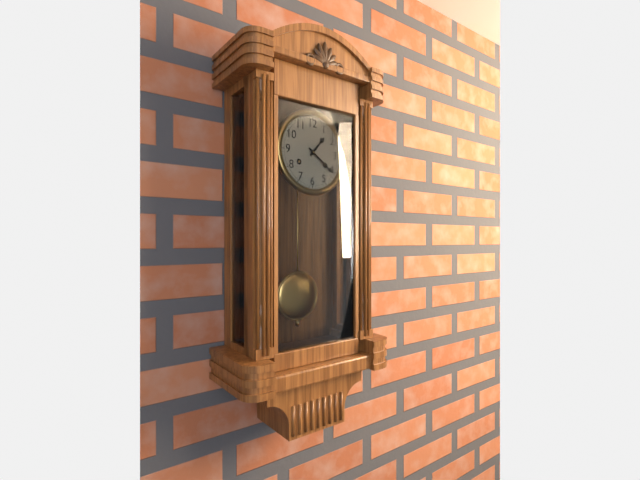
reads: 1,21
